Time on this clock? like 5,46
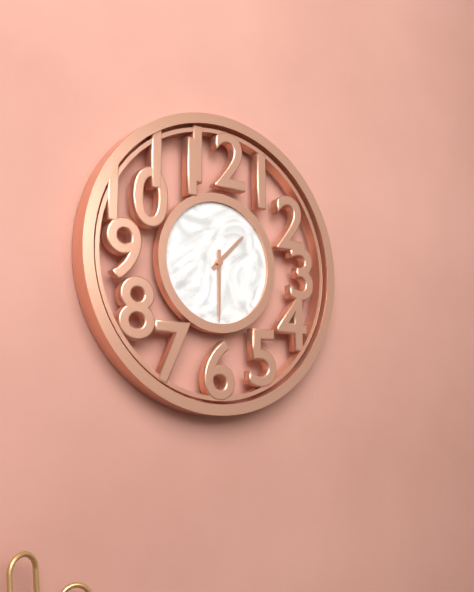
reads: 1,30
